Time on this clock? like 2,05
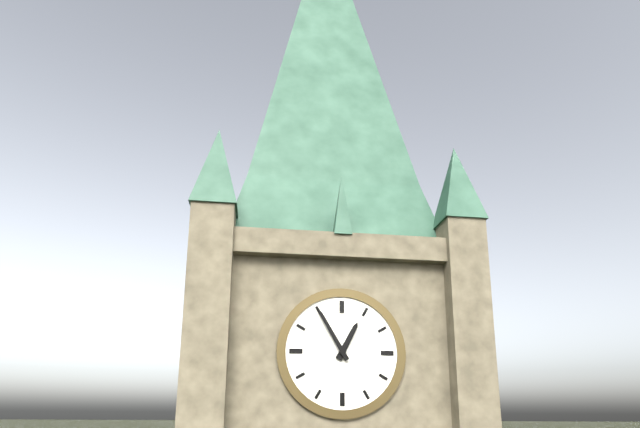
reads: 12,55
